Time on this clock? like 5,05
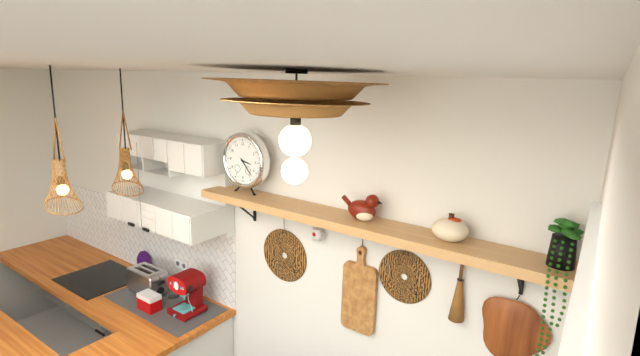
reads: 3,23
